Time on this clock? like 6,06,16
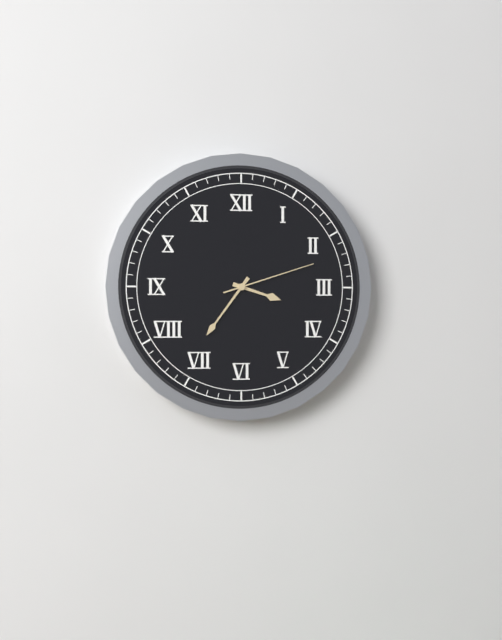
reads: 3,36,12
